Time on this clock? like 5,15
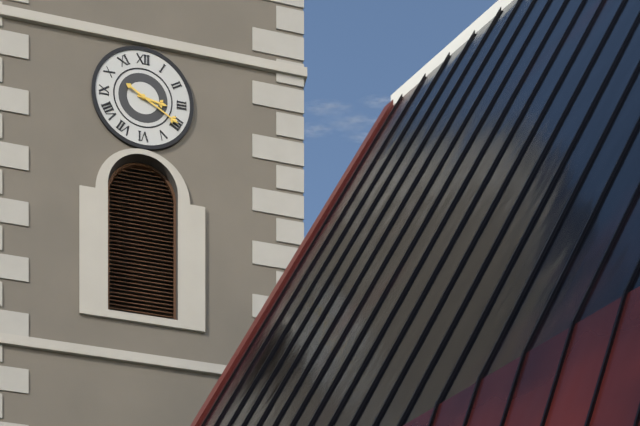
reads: 3,20
